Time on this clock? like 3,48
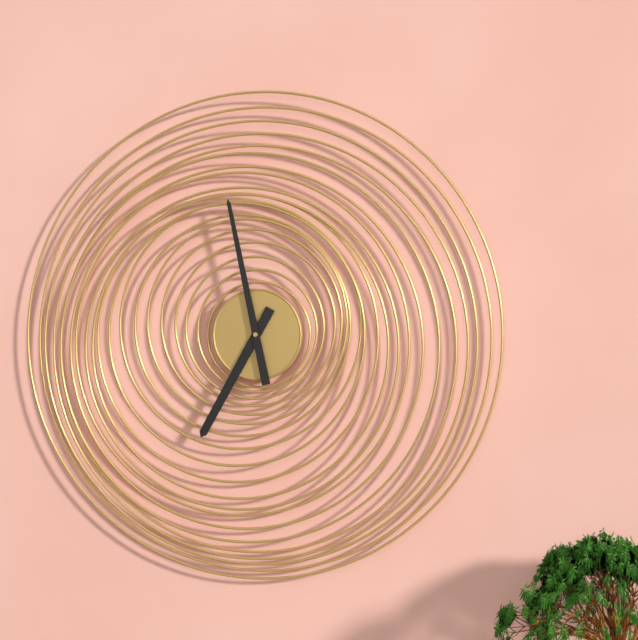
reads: 6,58
